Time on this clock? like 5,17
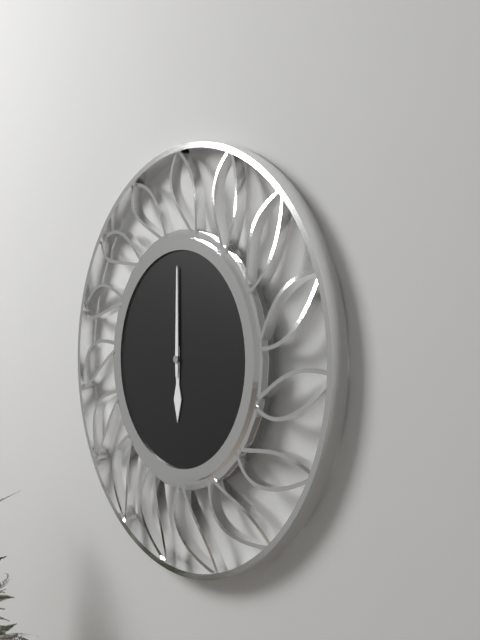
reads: 6,00
